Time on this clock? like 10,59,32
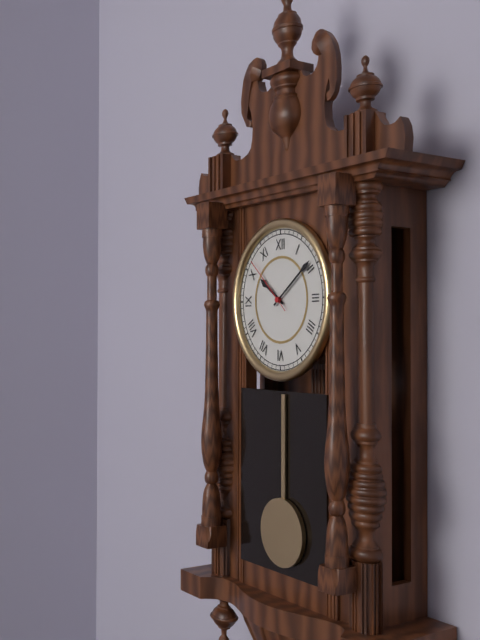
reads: 10,09,52
